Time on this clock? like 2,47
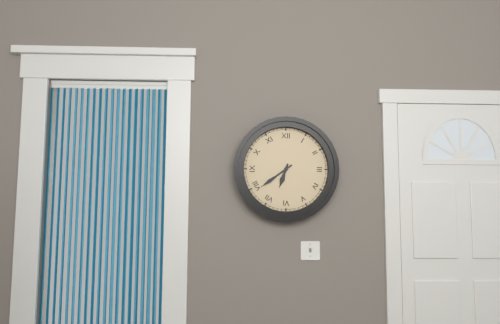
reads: 6,39
